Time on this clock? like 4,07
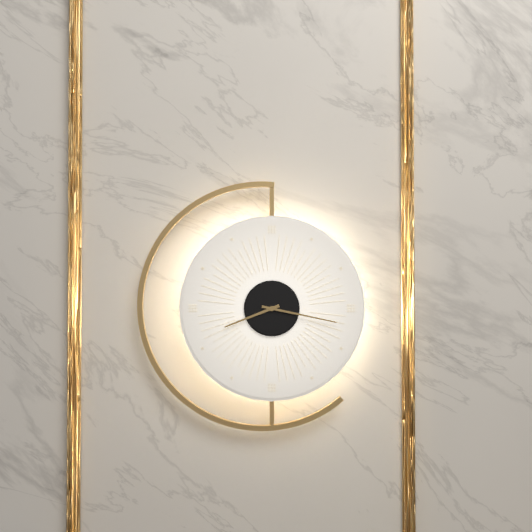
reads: 8,17
